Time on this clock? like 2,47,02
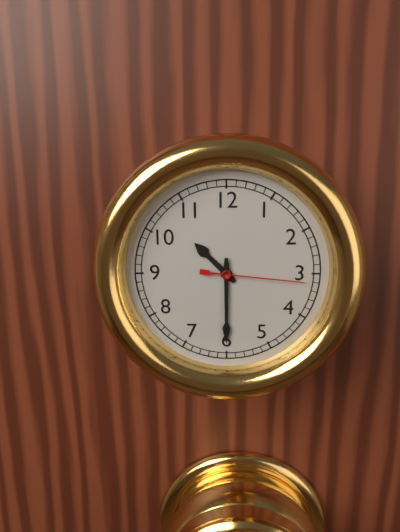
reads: 10,30,16
